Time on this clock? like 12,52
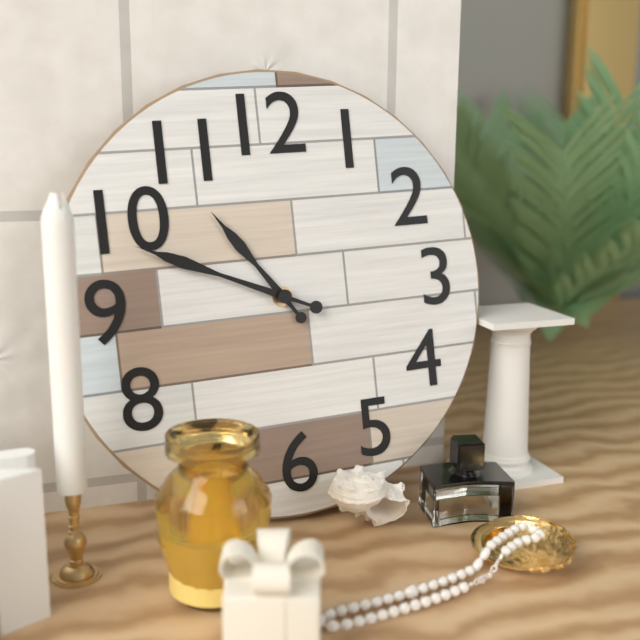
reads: 10,49
